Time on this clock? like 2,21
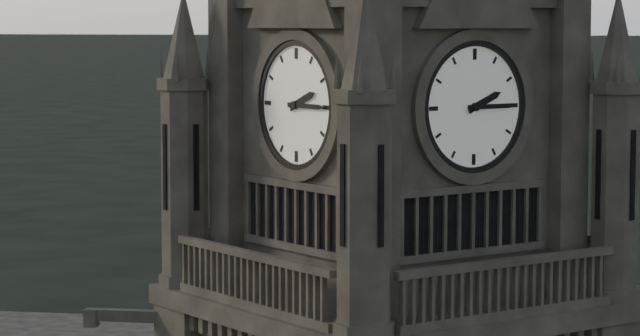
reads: 2,15
